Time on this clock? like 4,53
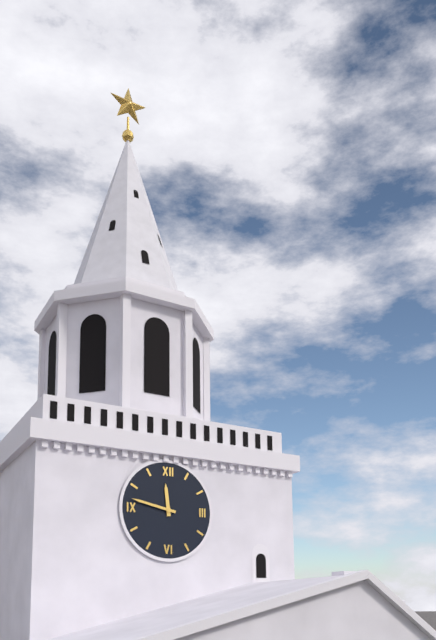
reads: 11,47
